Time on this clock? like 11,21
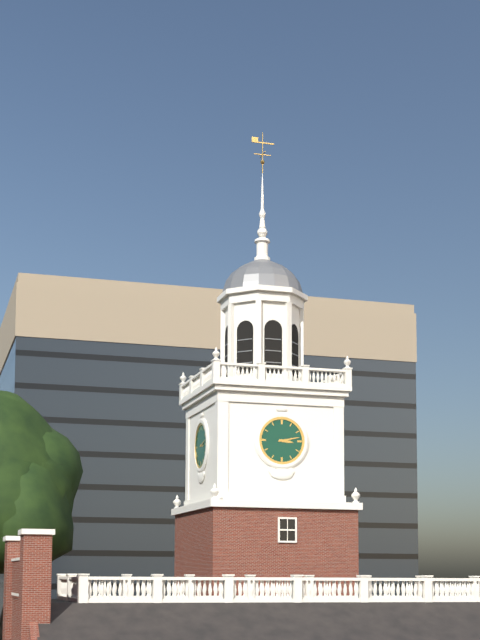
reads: 3,13
